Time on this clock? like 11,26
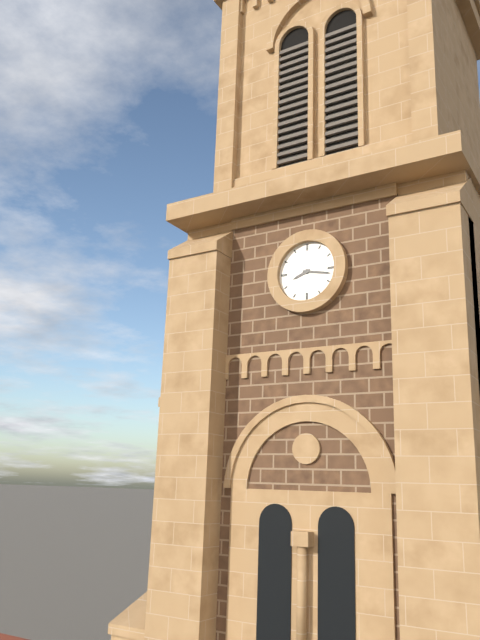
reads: 8,17
